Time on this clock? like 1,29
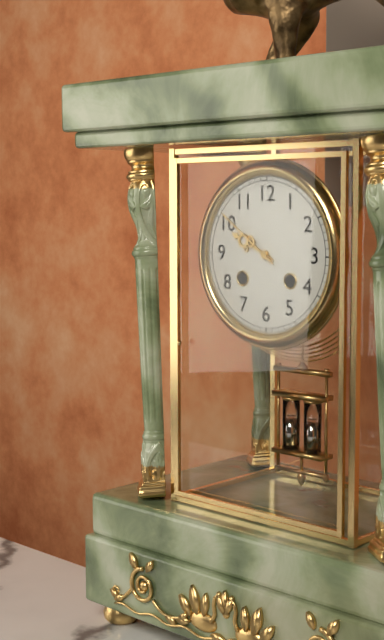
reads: 9,51
